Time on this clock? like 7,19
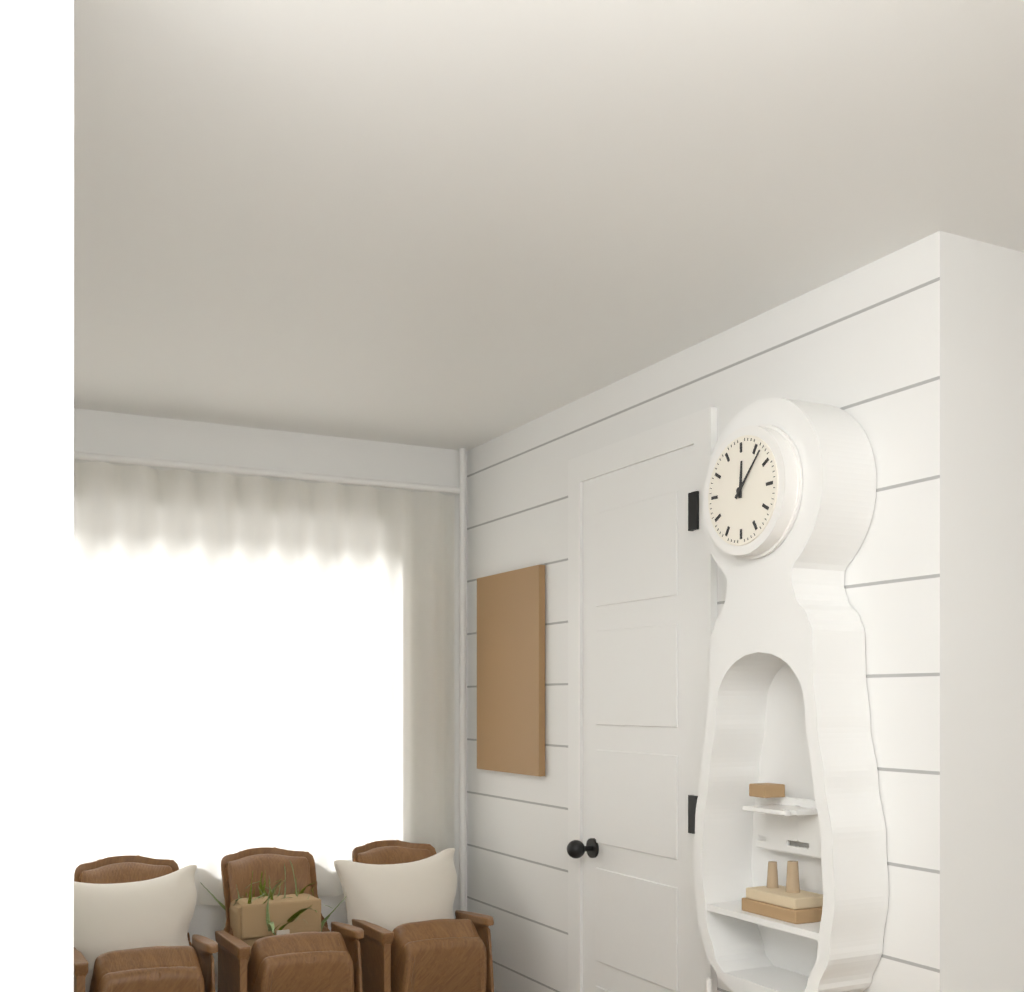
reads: 12,07
